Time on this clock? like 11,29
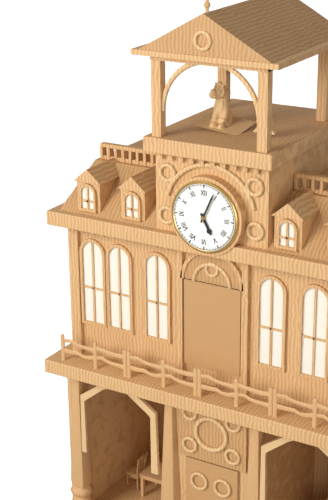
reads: 5,04
